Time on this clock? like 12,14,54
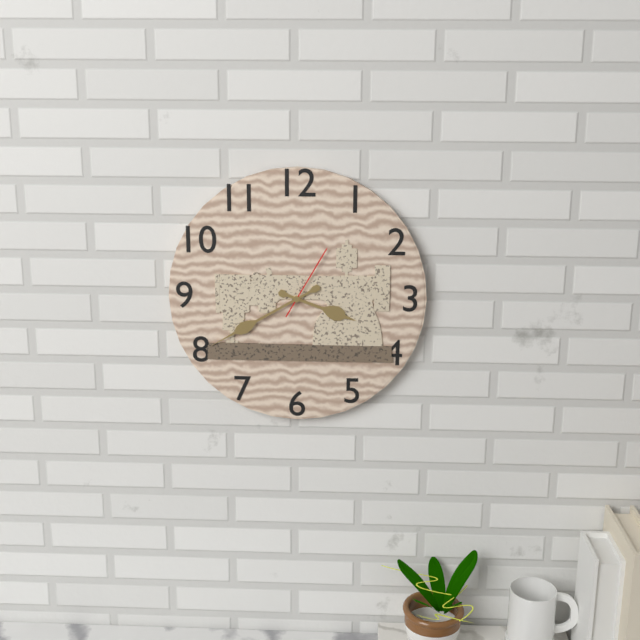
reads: 3,40,05
